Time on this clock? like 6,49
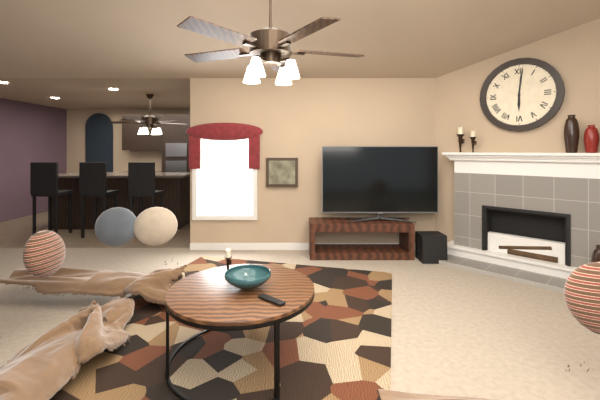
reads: 6,01
